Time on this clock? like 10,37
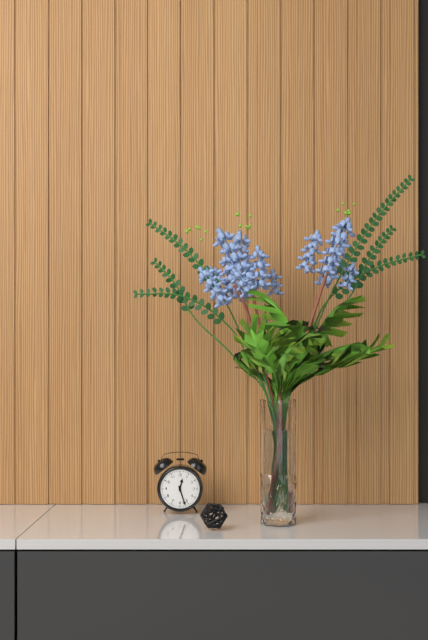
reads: 12,27
